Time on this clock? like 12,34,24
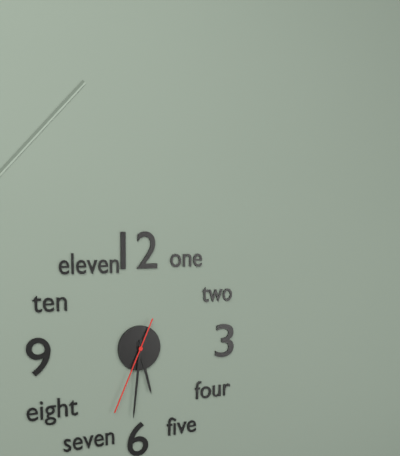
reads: 5,31,34
